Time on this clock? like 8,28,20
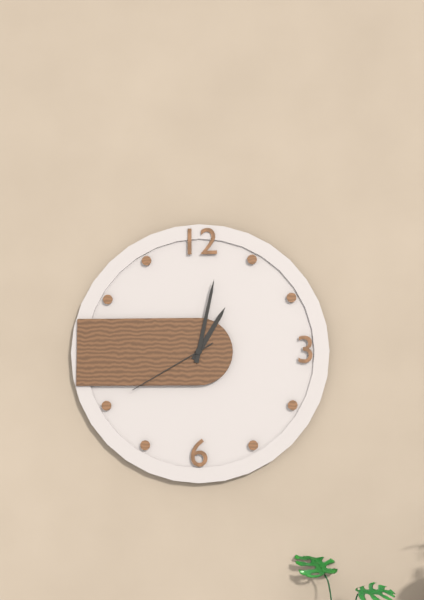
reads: 1,02,40
